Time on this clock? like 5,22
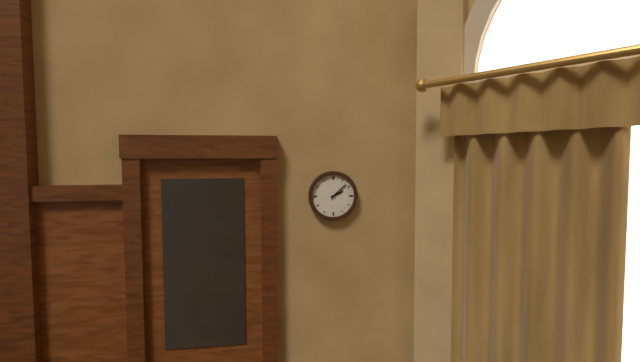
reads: 2,08
